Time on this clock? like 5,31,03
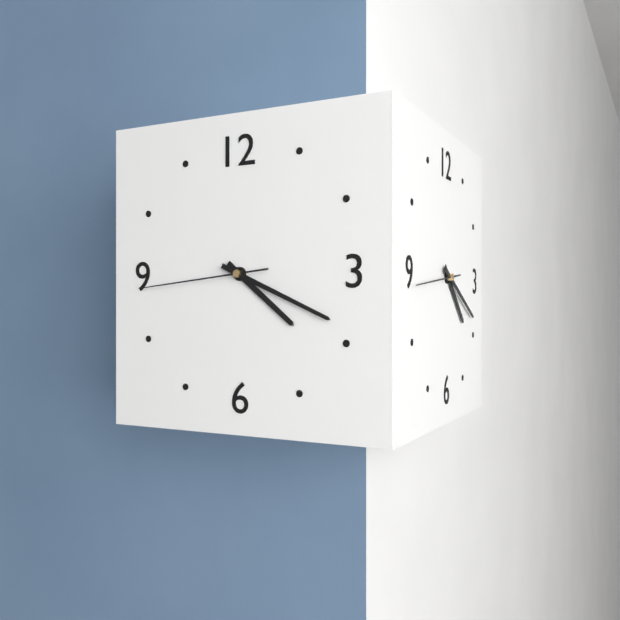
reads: 4,19,44
